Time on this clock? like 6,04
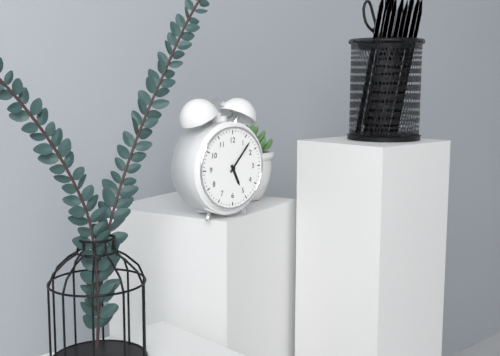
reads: 5,07
